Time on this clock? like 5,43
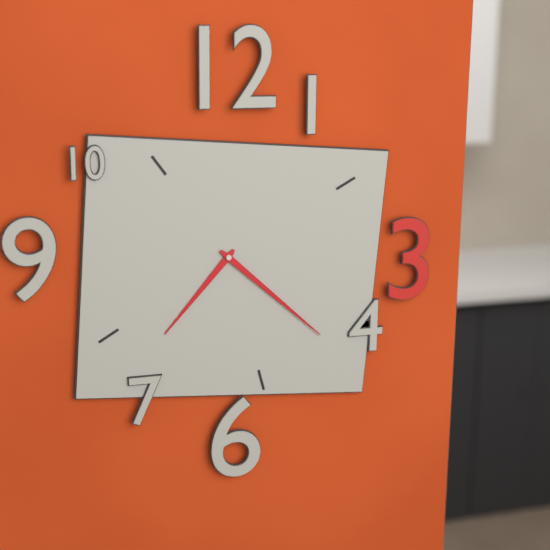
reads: 7,22
